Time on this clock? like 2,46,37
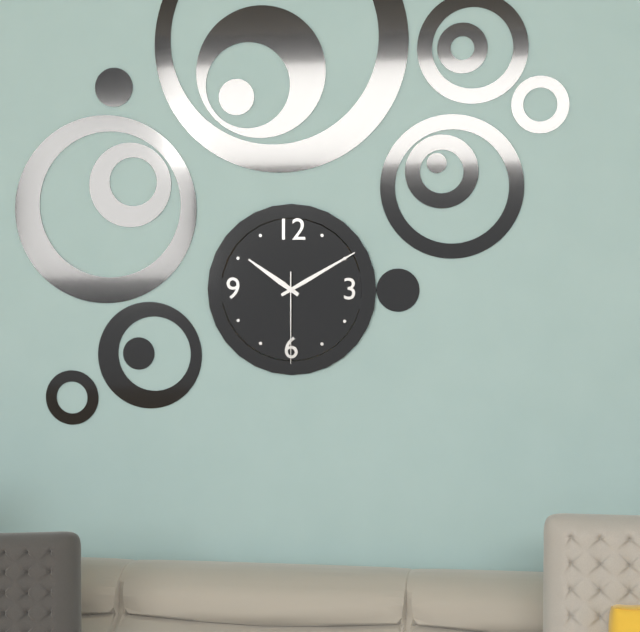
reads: 10,10,30
